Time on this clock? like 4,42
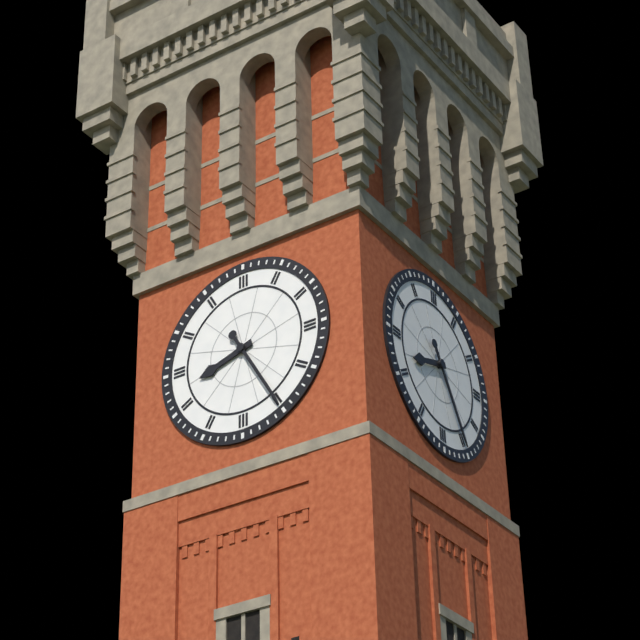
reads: 8,25
